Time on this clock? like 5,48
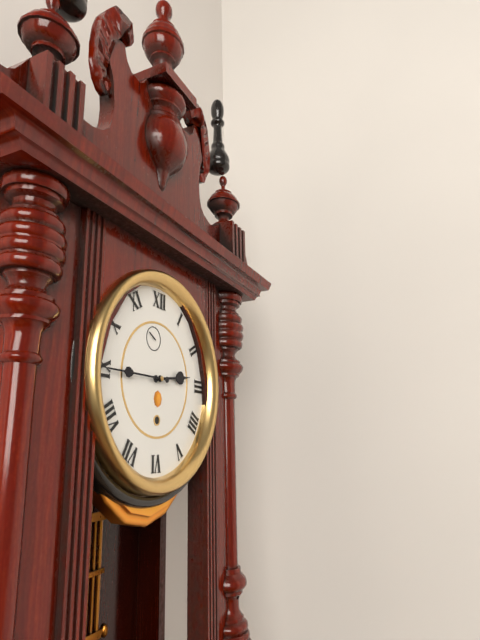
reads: 2,45
